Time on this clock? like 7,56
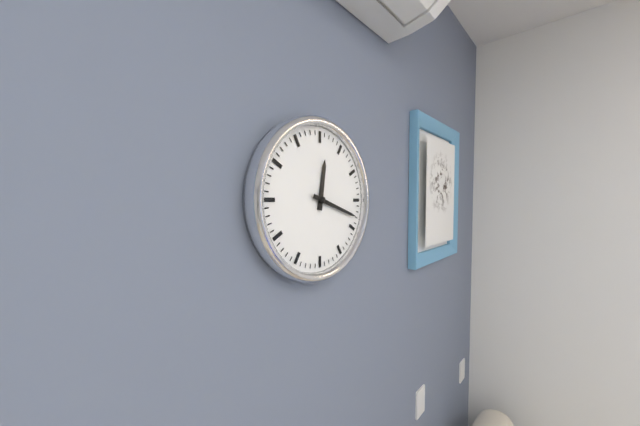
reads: 12,18
